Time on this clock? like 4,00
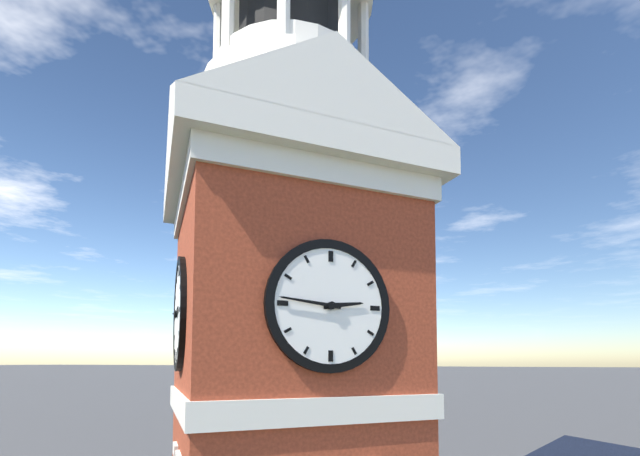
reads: 2,46
